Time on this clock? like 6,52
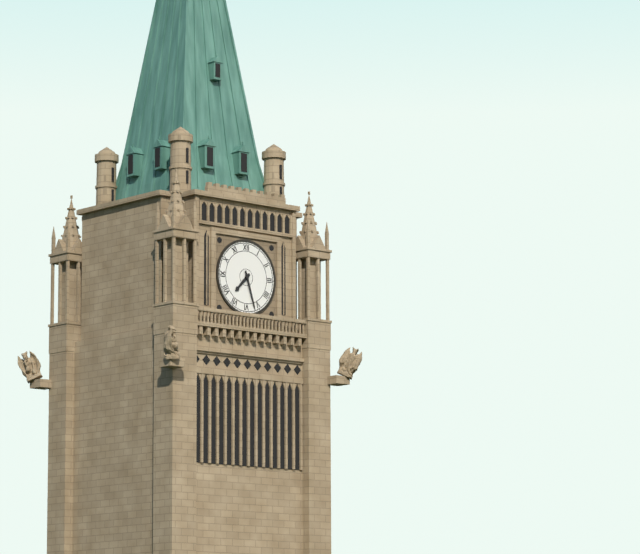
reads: 7,27
